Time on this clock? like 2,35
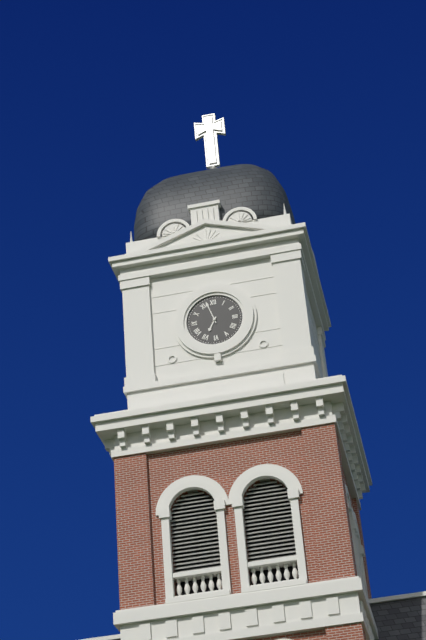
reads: 6,57
